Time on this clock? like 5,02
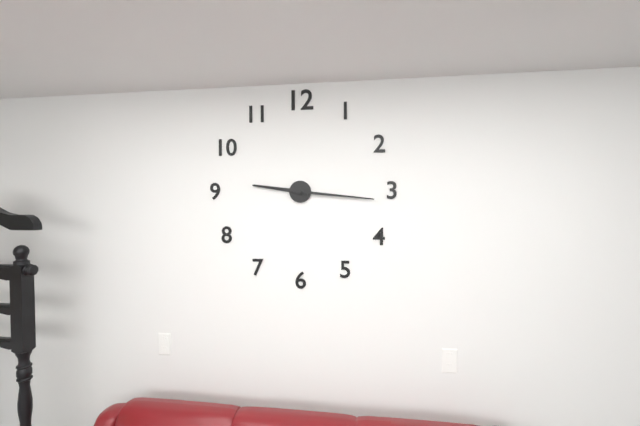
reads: 9,16
